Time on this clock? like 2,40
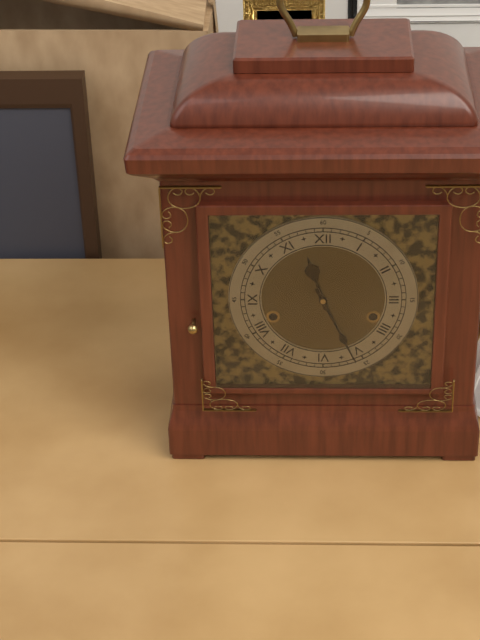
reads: 11,26
